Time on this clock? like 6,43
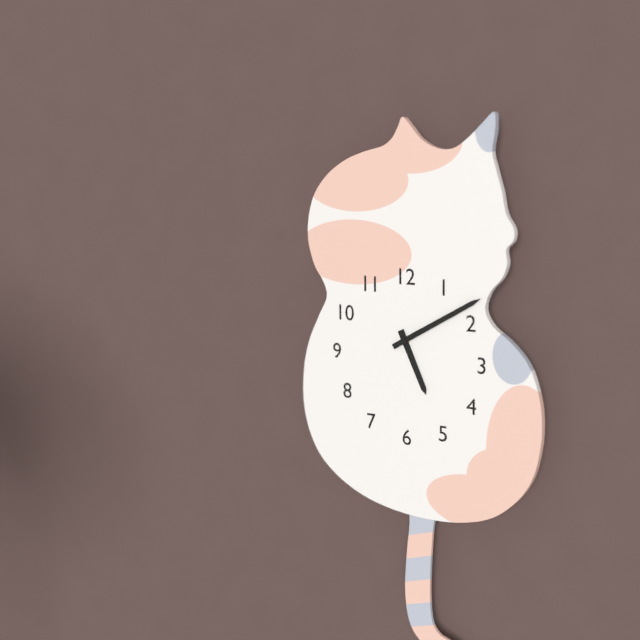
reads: 5,10
